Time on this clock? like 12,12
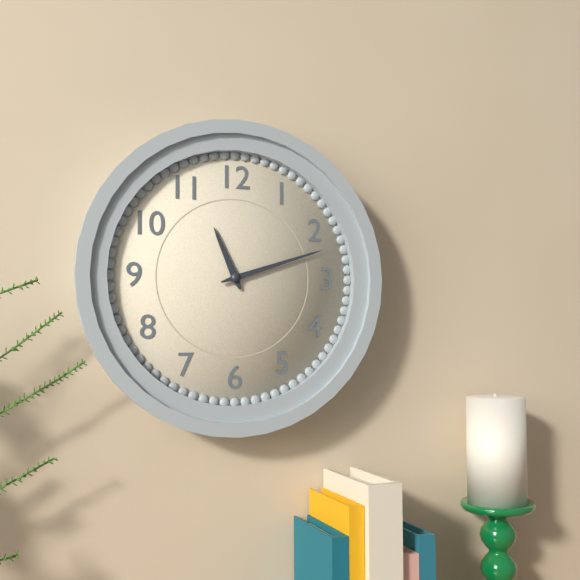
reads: 11,12
